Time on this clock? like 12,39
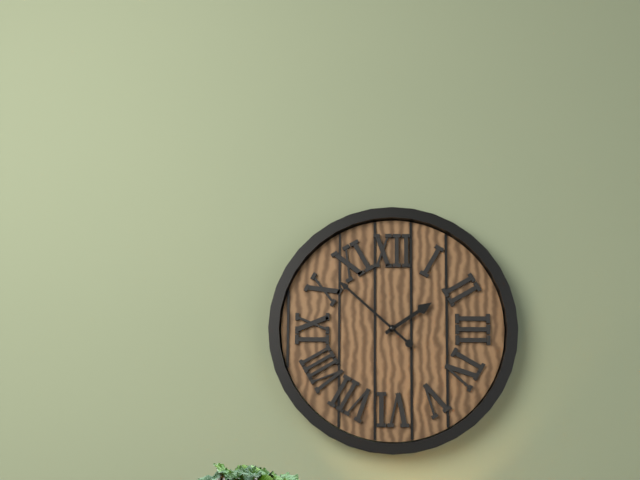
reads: 1,52
